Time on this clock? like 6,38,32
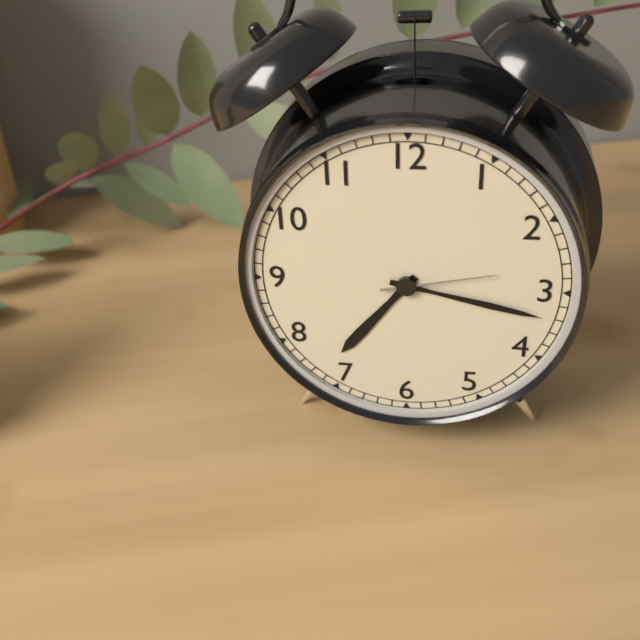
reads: 7,17,13
